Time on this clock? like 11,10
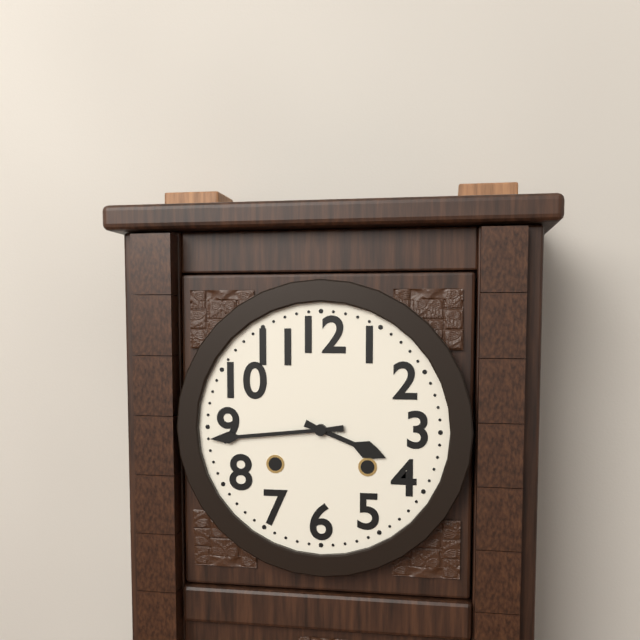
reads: 3,44
